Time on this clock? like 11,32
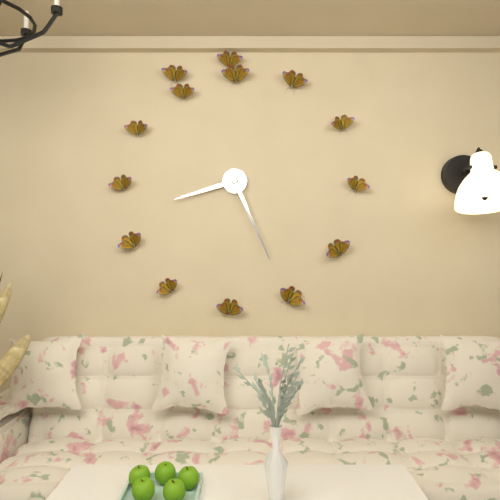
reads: 8,26
